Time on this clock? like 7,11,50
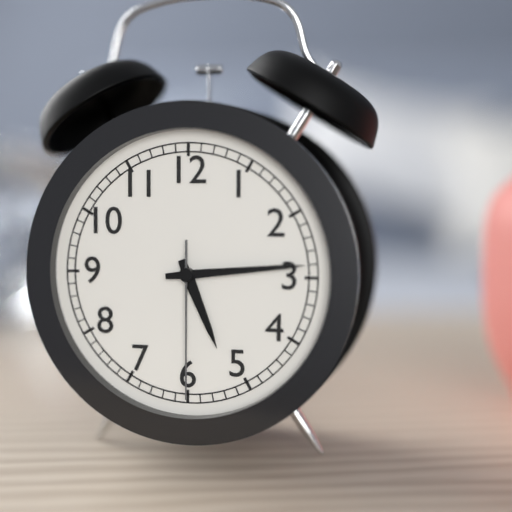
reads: 5,14,30
